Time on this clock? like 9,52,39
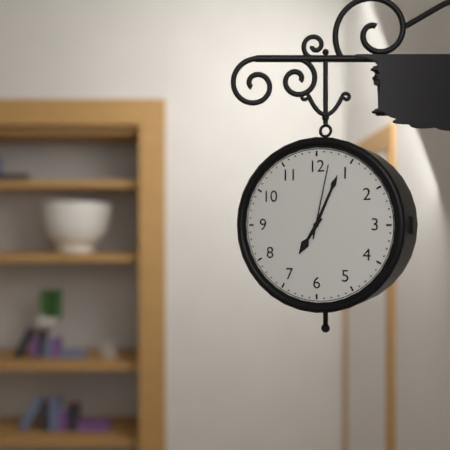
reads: 7,04,02
